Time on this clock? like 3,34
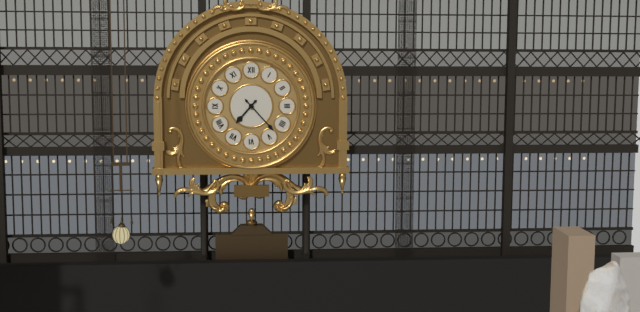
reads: 7,23
